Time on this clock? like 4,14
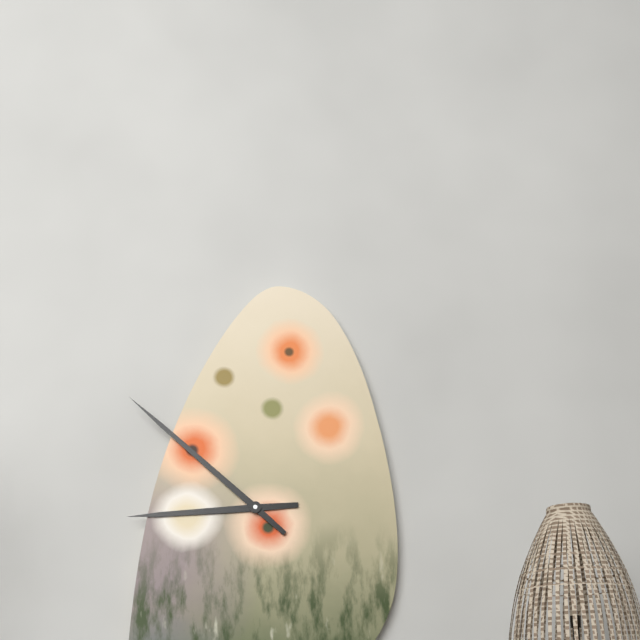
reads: 8,52
